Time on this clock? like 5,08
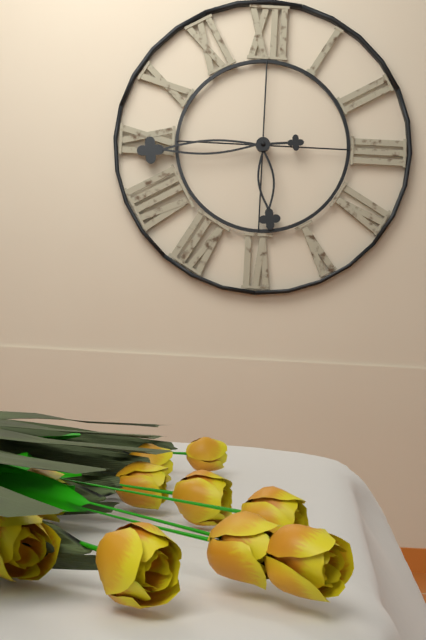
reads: 5,44
